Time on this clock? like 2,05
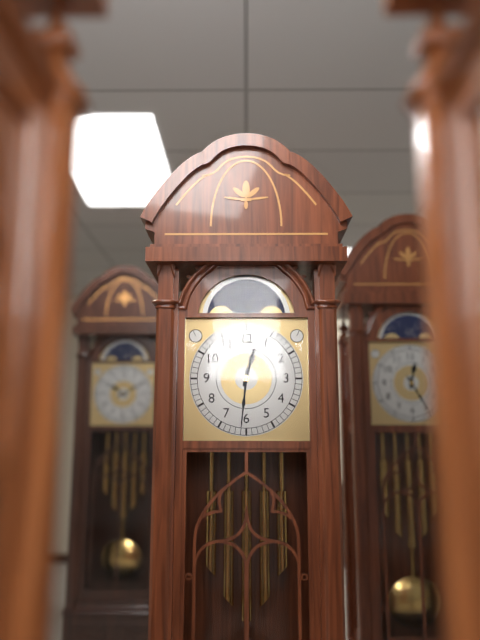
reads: 12,31
